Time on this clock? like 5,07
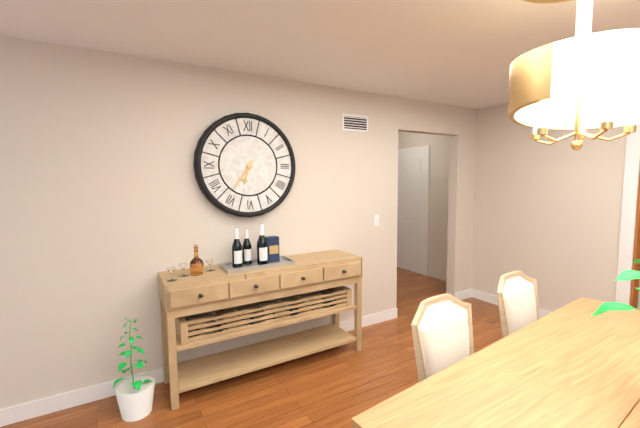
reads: 6,36
